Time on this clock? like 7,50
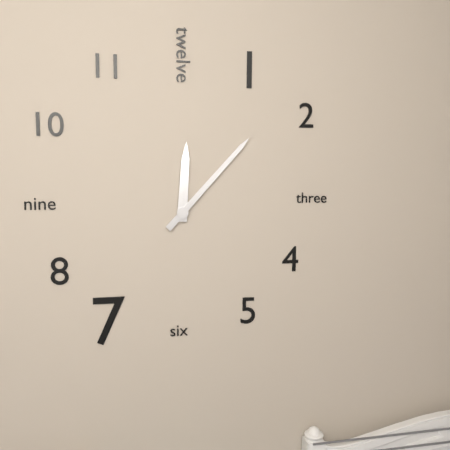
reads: 12,07
